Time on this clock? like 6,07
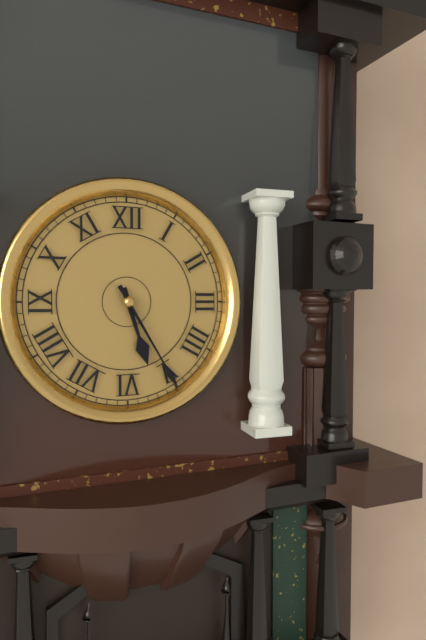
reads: 5,25
